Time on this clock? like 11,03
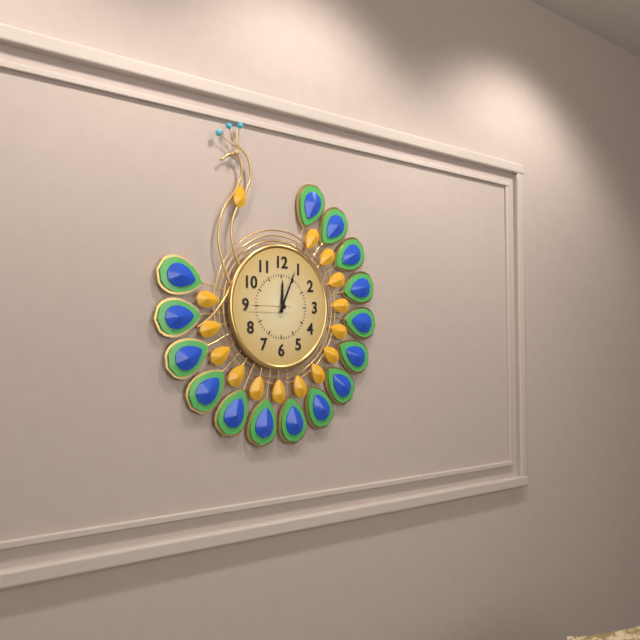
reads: 12,04
